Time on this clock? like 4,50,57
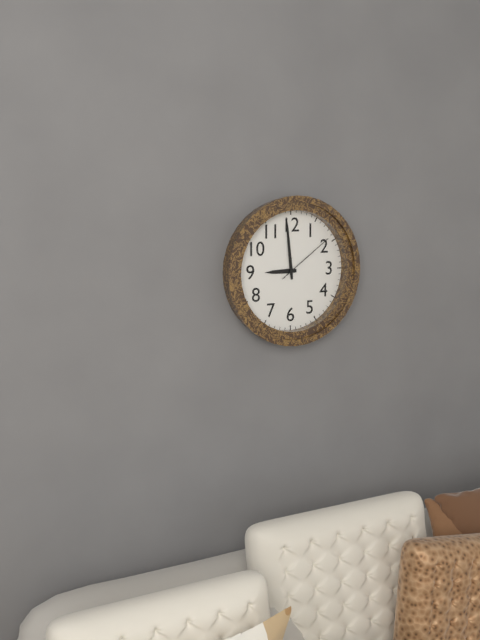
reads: 8,59,09
